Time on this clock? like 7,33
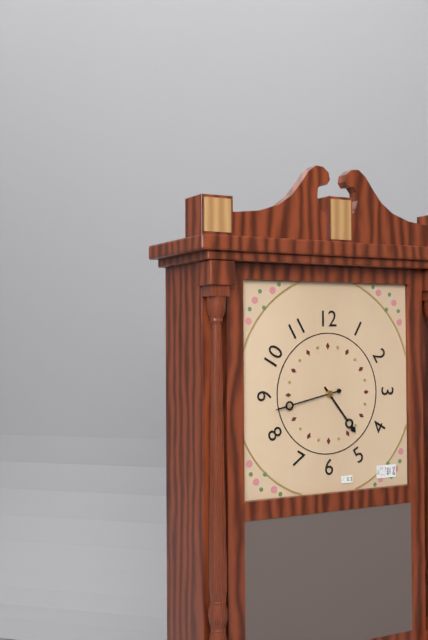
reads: 4,43
